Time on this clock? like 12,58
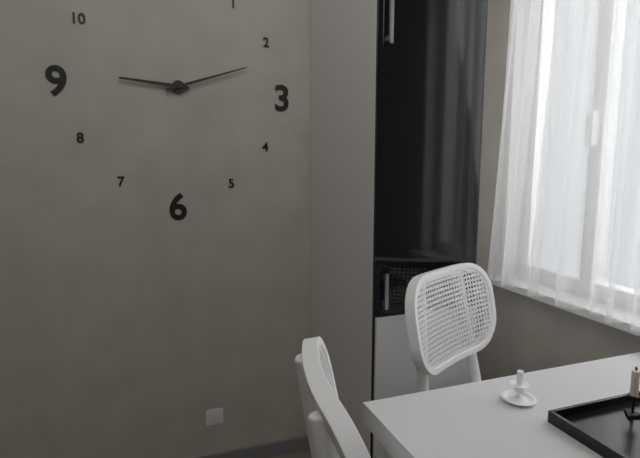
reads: 9,12
